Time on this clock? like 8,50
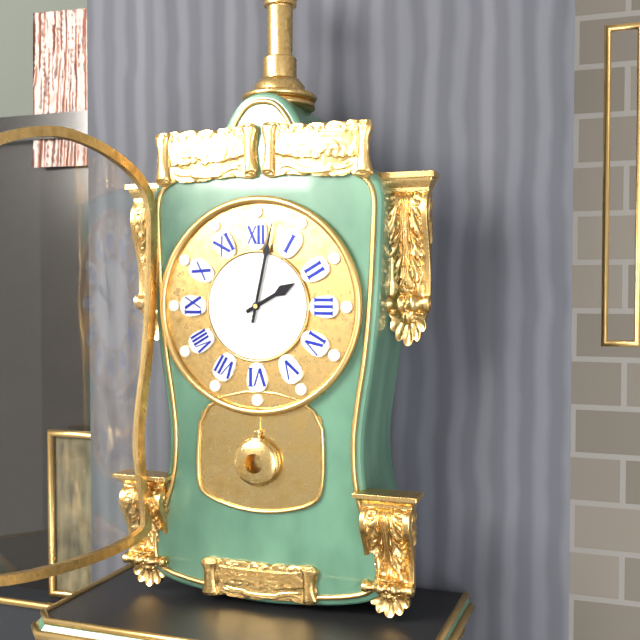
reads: 2,02
